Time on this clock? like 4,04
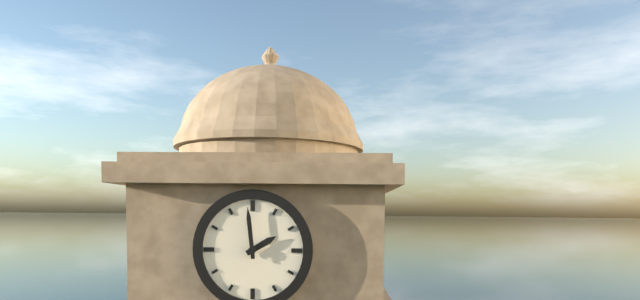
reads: 1,59
